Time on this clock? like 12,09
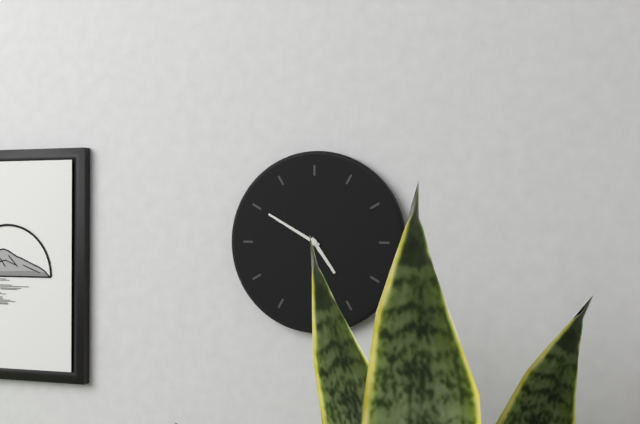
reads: 4,50
